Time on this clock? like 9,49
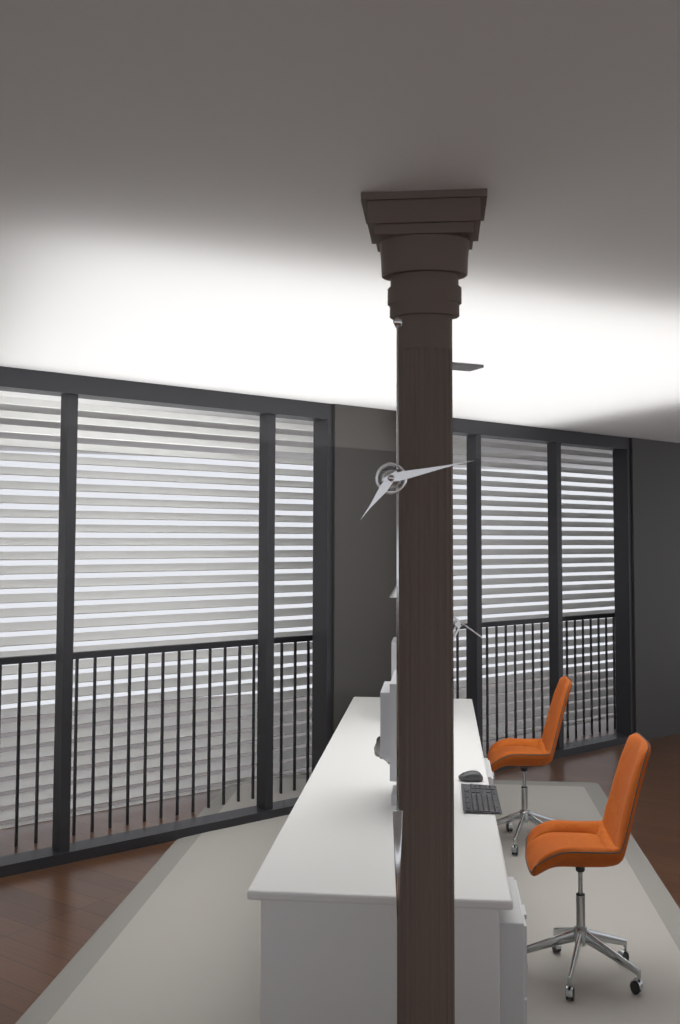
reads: 7,13
